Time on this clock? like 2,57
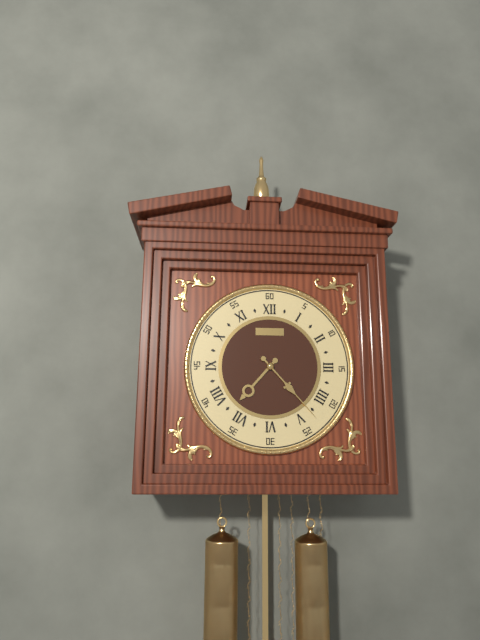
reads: 7,23
